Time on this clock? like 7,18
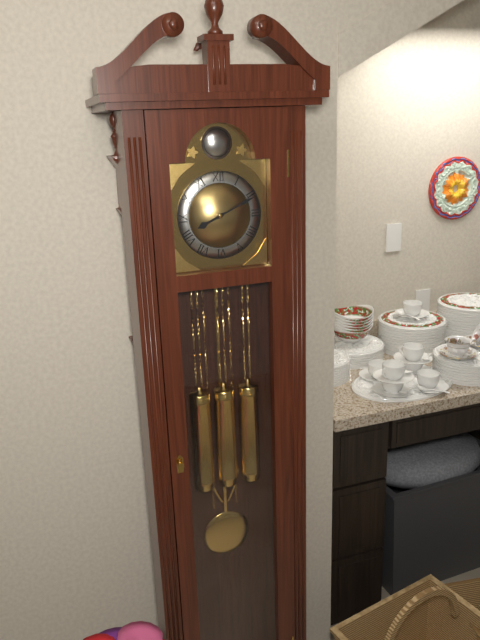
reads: 8,11
